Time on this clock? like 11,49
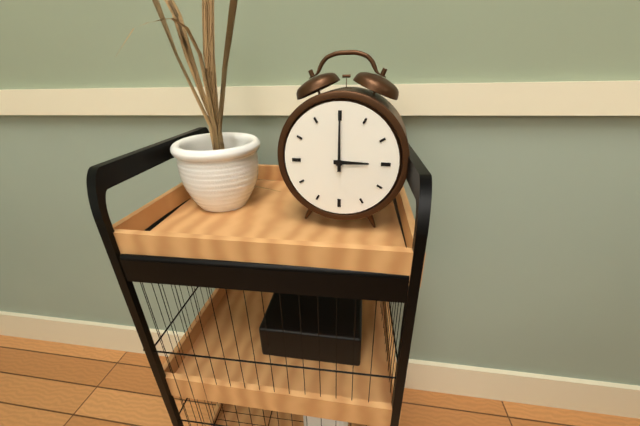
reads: 3,00
